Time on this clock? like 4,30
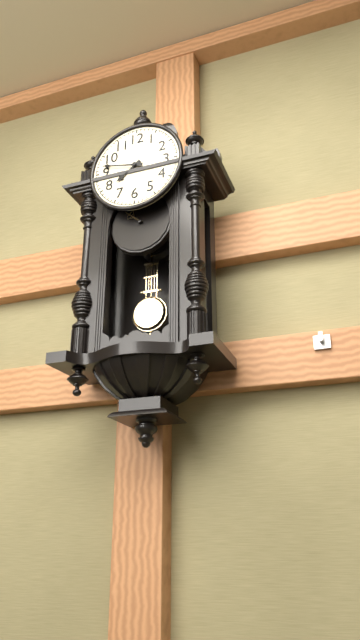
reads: 7,47
